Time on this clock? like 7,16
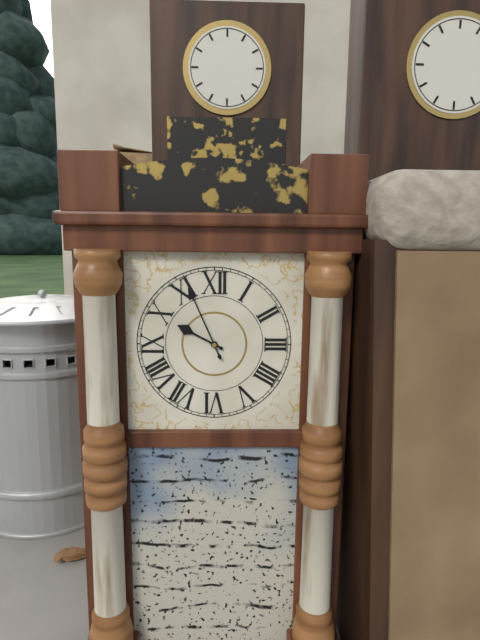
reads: 9,56
